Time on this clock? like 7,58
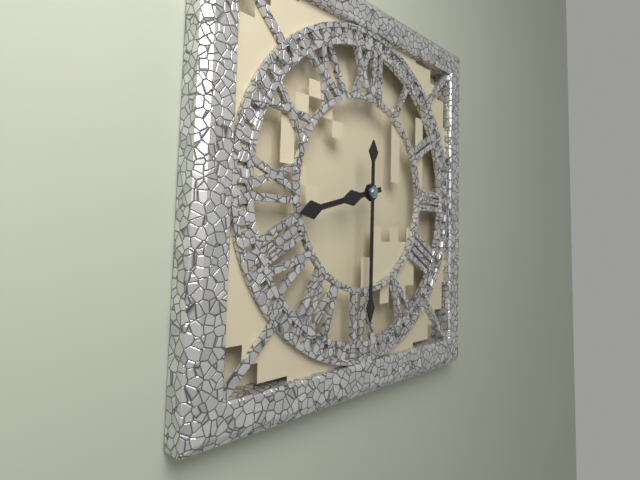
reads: 8,30
